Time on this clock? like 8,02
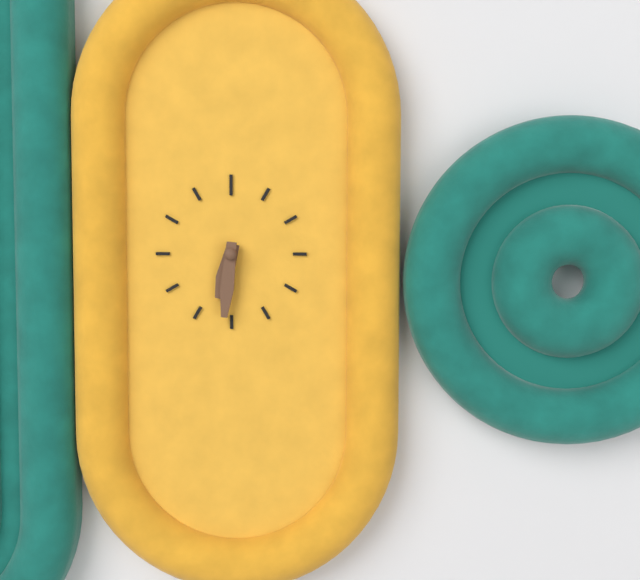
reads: 6,31
